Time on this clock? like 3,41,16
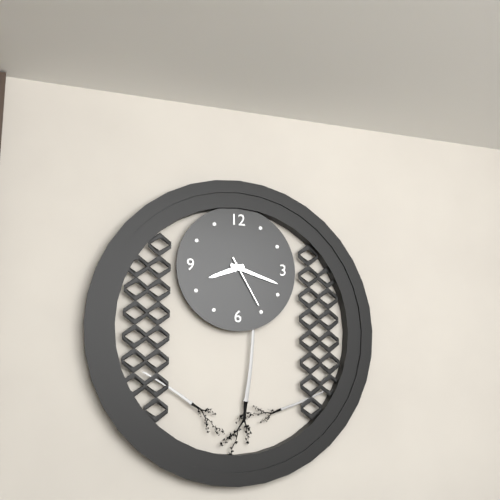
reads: 8,18,25
